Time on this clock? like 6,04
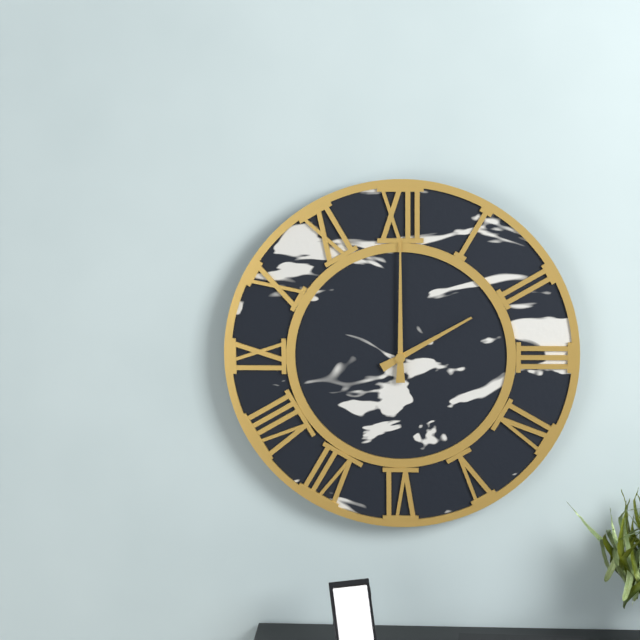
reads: 2,00
